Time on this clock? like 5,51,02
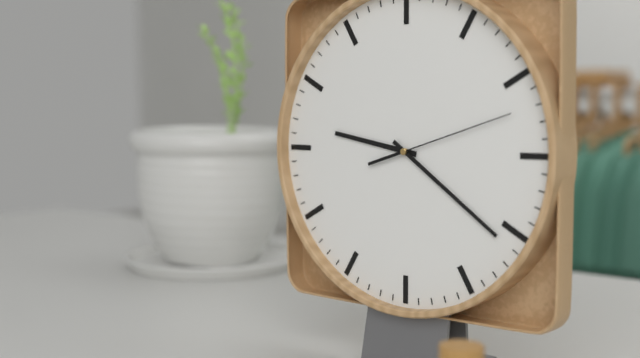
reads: 9,21,12
